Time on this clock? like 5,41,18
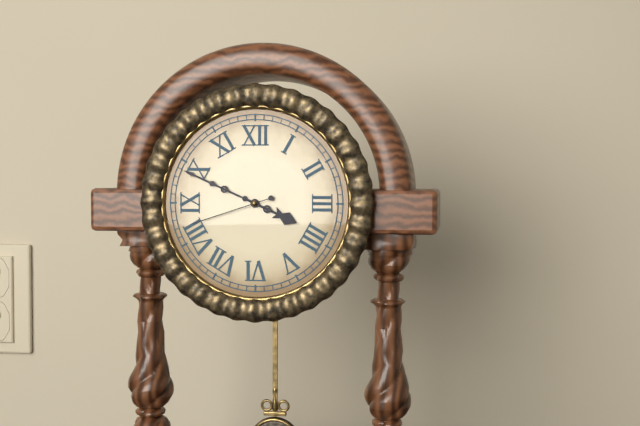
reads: 3,49,42
